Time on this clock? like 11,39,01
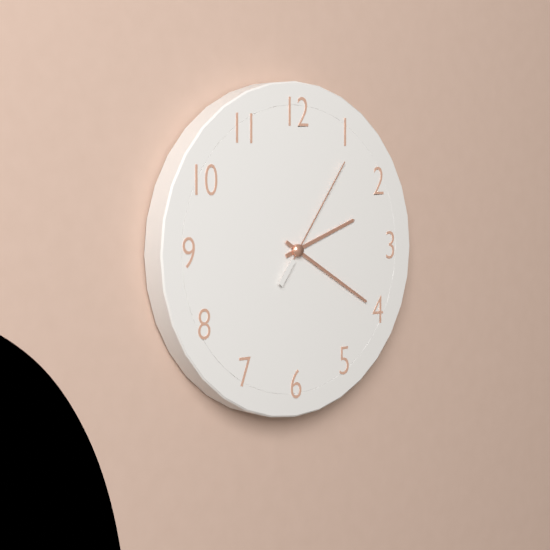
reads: 2,20,06
